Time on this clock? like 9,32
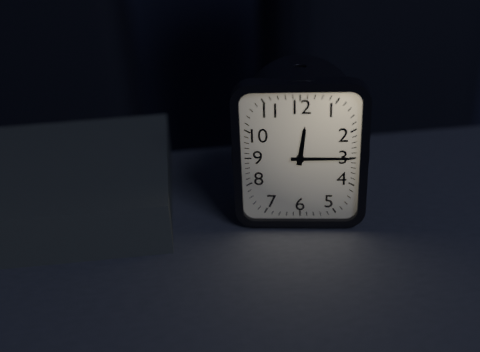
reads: 12,15
